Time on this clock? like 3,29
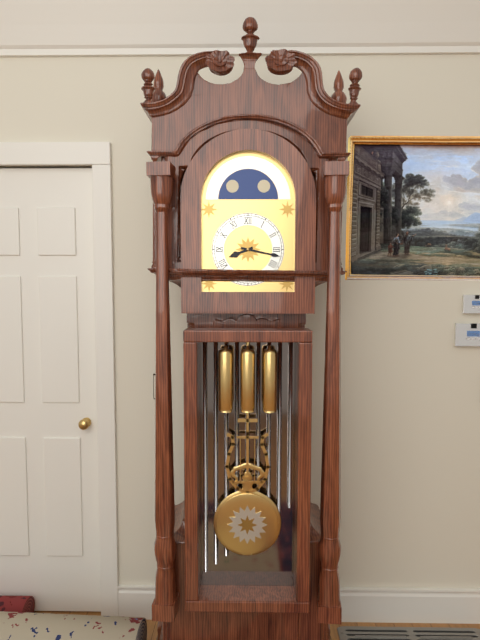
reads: 8,17
